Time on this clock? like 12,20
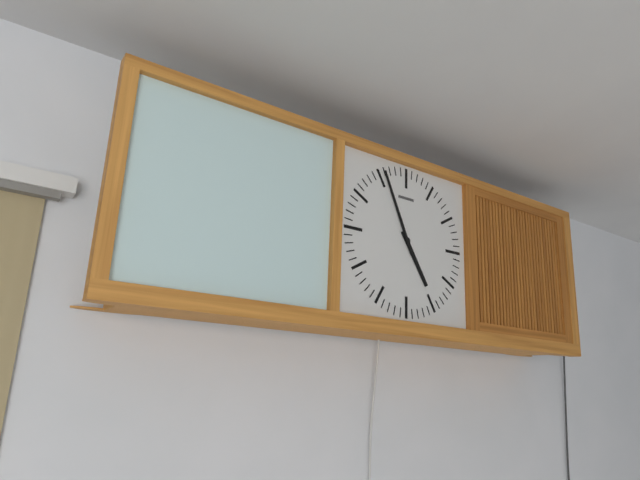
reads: 4,56
